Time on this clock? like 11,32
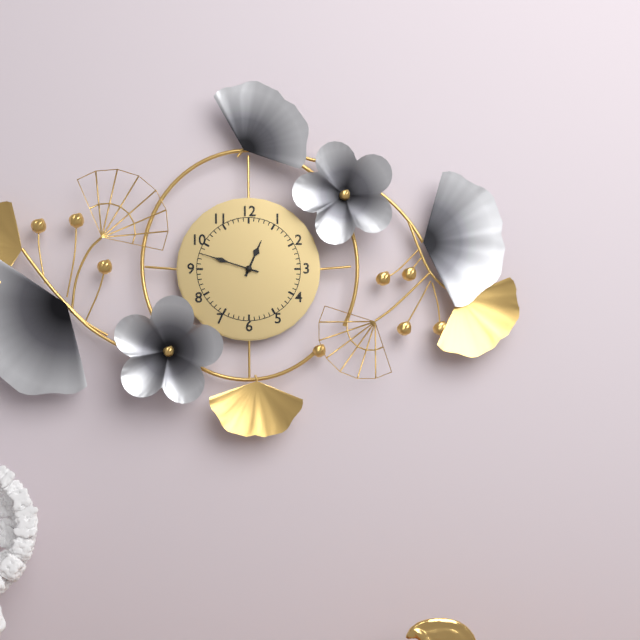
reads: 12,48
